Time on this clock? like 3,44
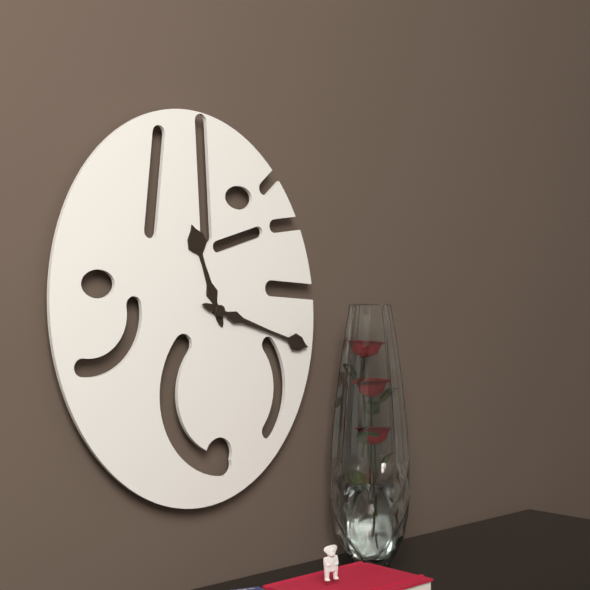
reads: 11,18
